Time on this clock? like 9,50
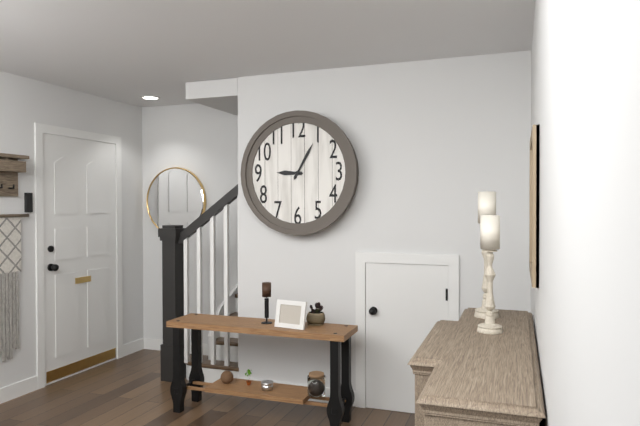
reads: 9,05
